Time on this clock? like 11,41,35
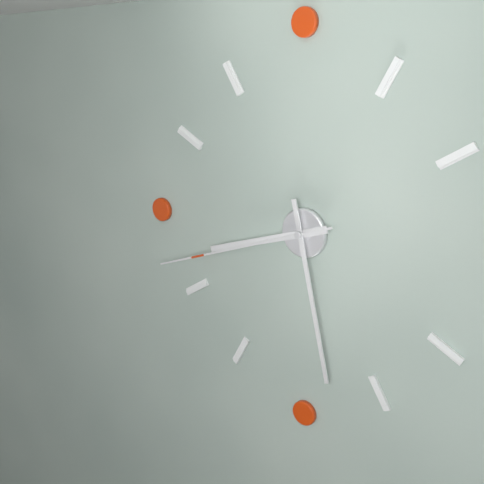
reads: 8,28,42
